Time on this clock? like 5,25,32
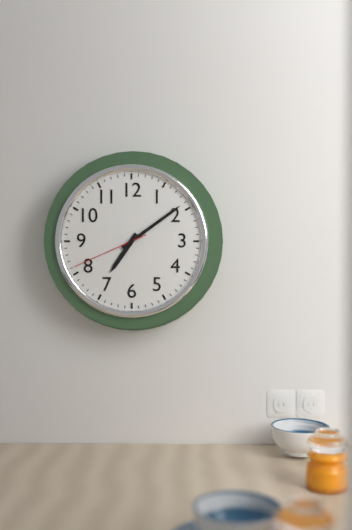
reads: 7,09,41
